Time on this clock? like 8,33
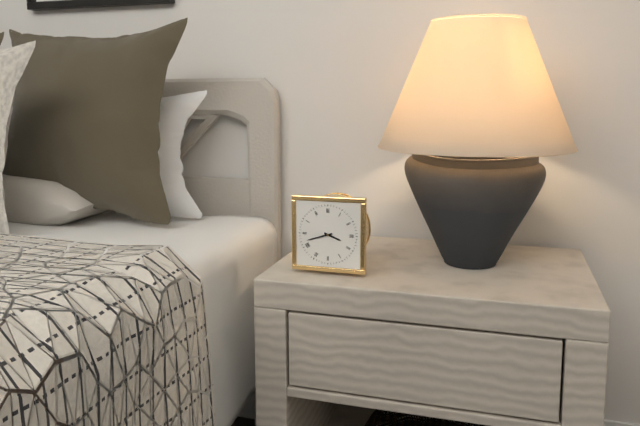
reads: 3,42
